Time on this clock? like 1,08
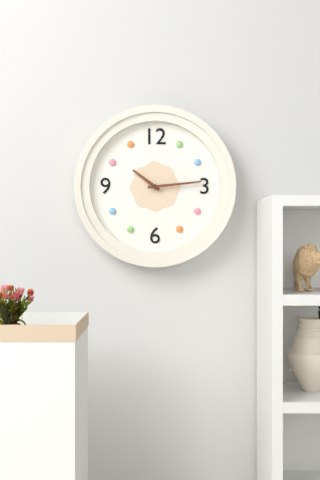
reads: 10,14
